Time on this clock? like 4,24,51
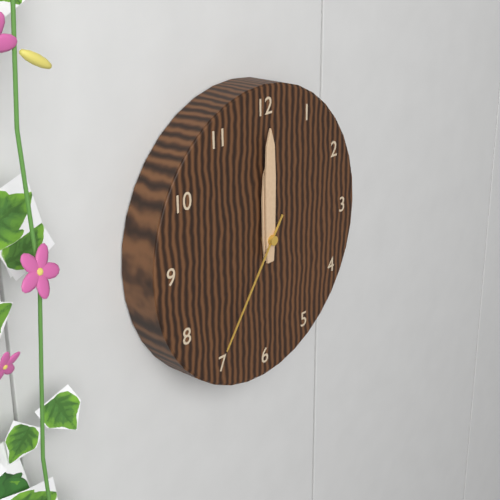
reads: 12,00,36
